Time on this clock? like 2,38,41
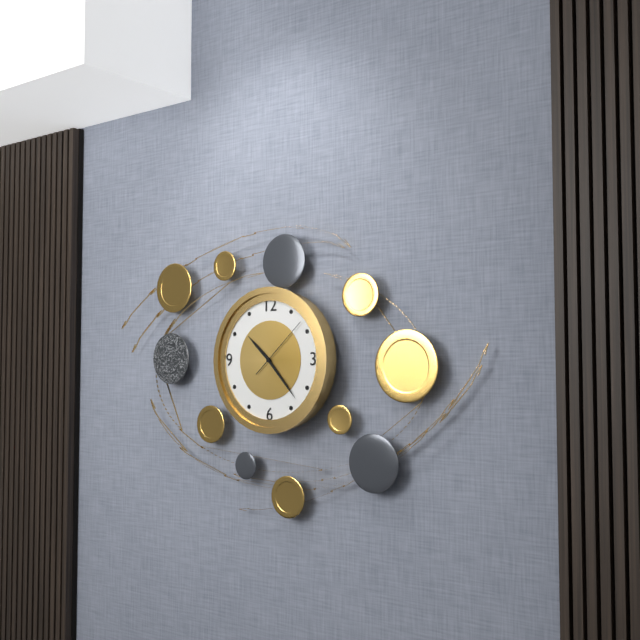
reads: 10,23,08
